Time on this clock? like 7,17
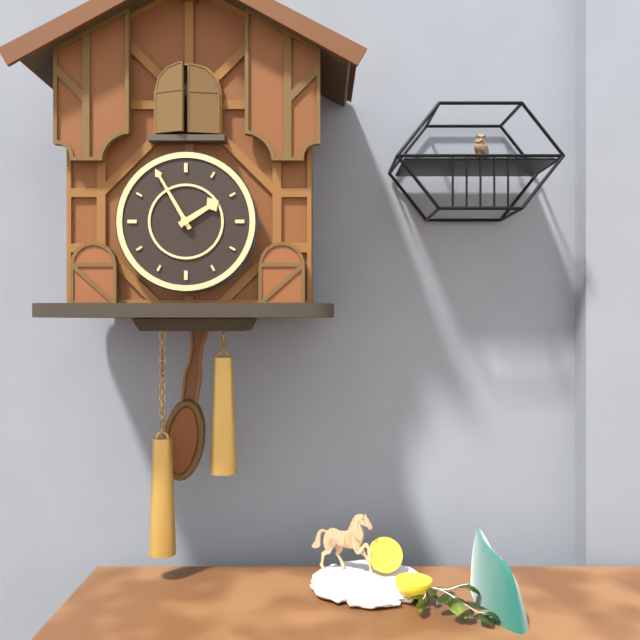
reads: 1,55
